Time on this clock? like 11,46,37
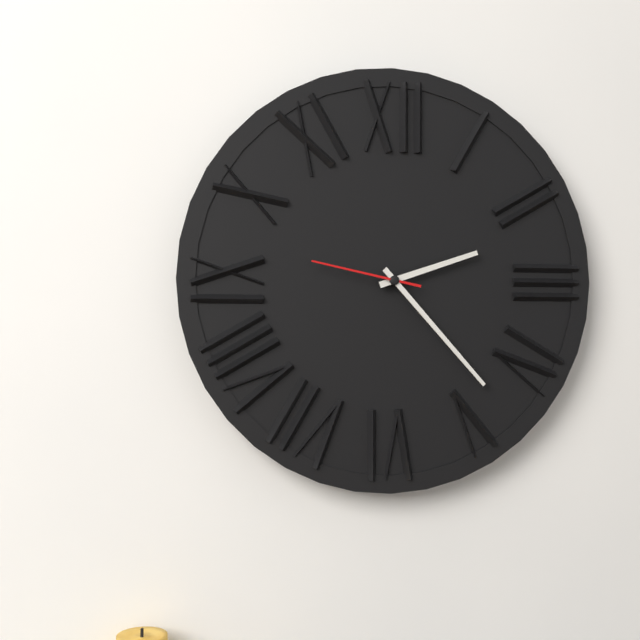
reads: 2,23,47
